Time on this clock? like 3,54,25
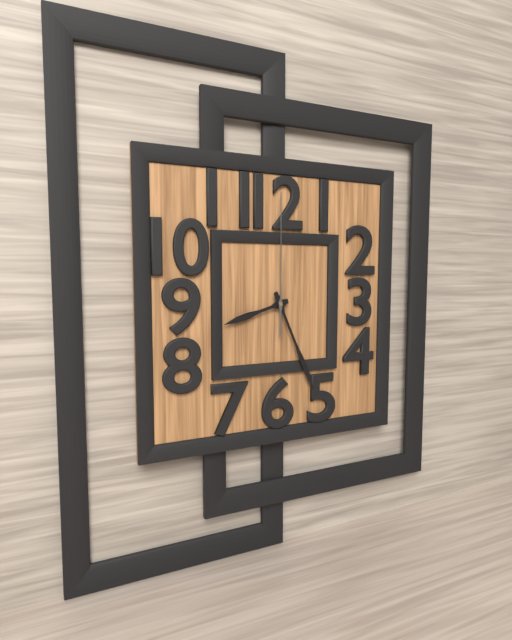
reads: 8,26,00
